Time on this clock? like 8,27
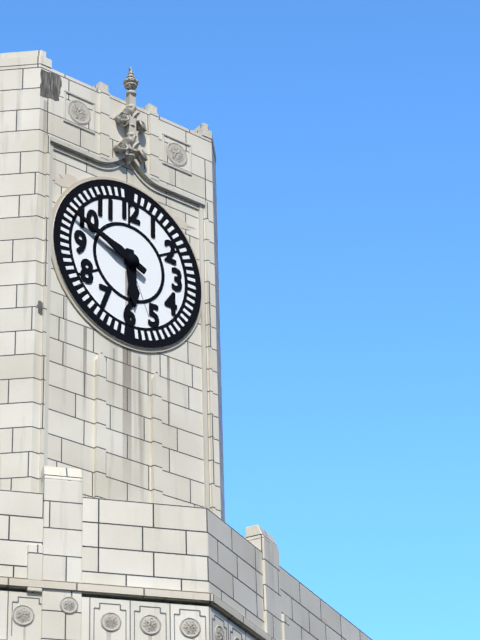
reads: 5,49
